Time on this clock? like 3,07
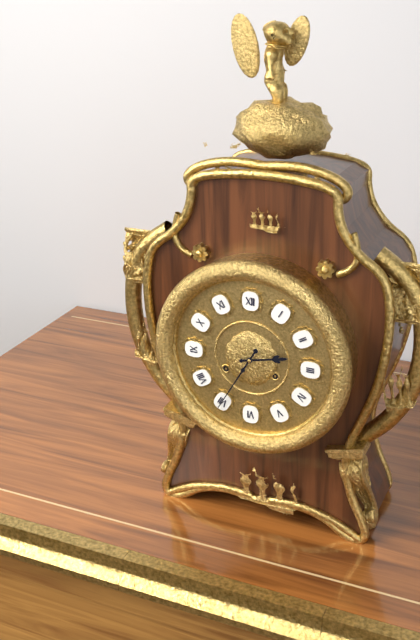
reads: 2,35
